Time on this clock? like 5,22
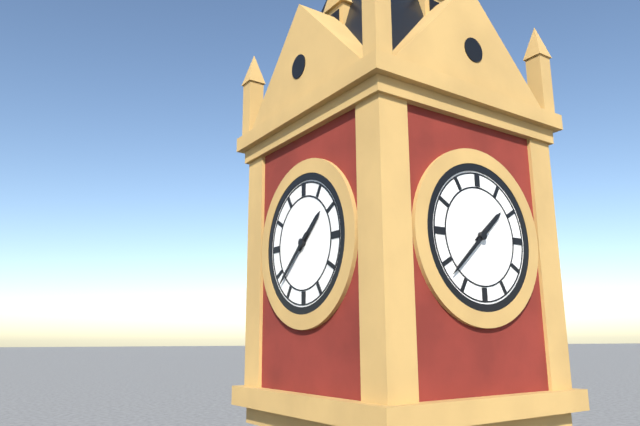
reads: 1,38
